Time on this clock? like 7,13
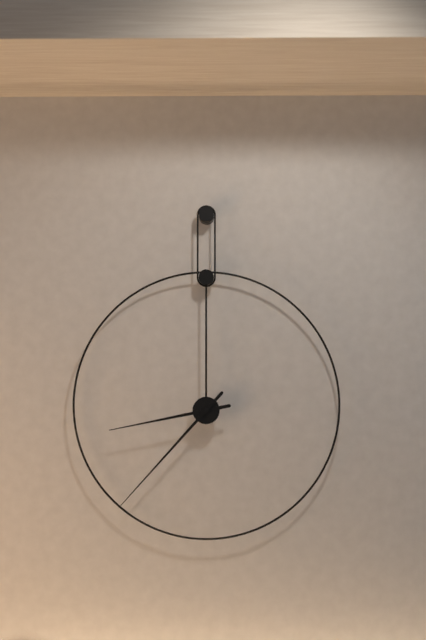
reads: 8,37
